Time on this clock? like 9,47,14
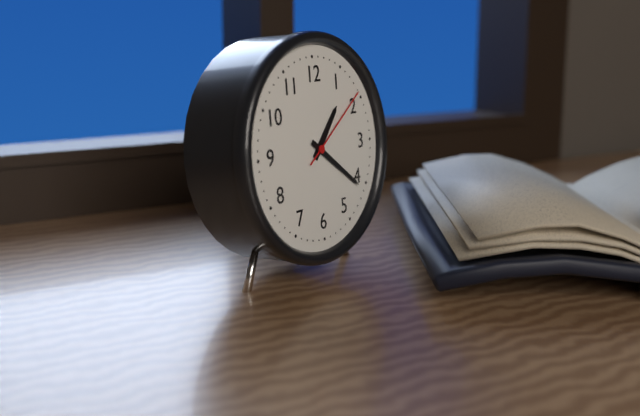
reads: 1,21,09
